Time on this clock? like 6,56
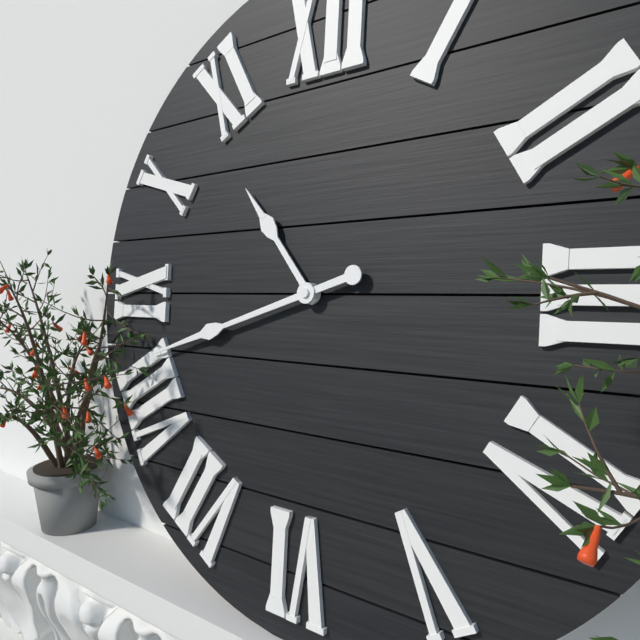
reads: 10,42
